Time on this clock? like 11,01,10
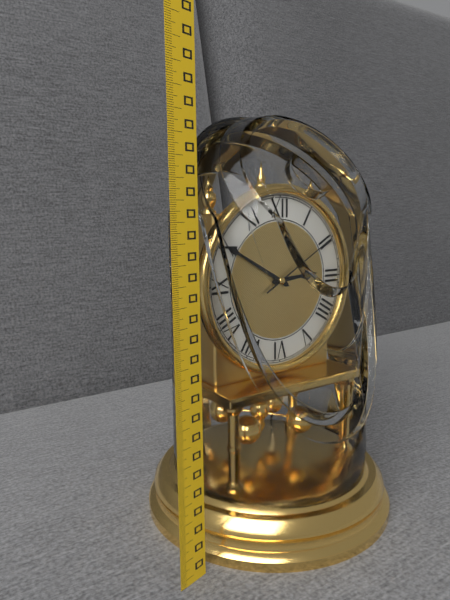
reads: 2,50,10
